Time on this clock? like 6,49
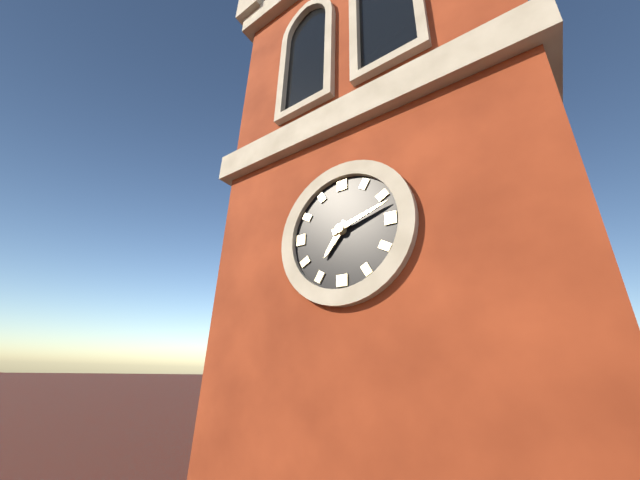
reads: 7,12
